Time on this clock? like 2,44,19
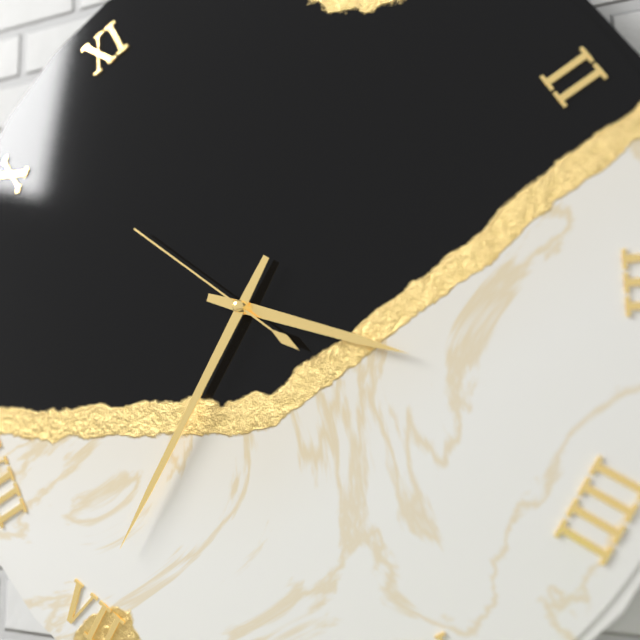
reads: 3,35,51
